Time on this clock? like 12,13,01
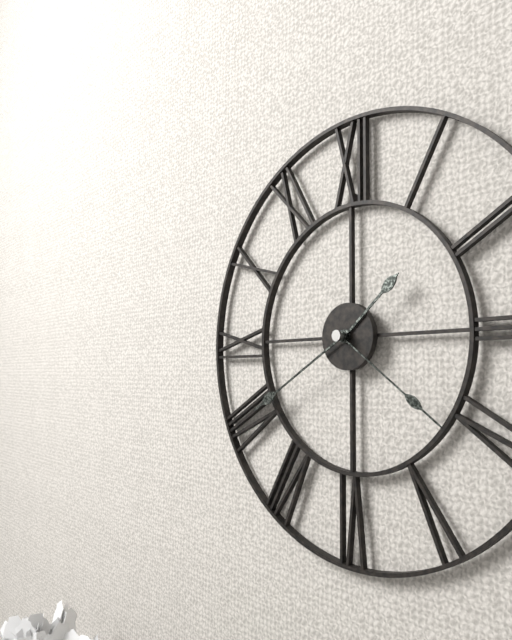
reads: 1,40,21
